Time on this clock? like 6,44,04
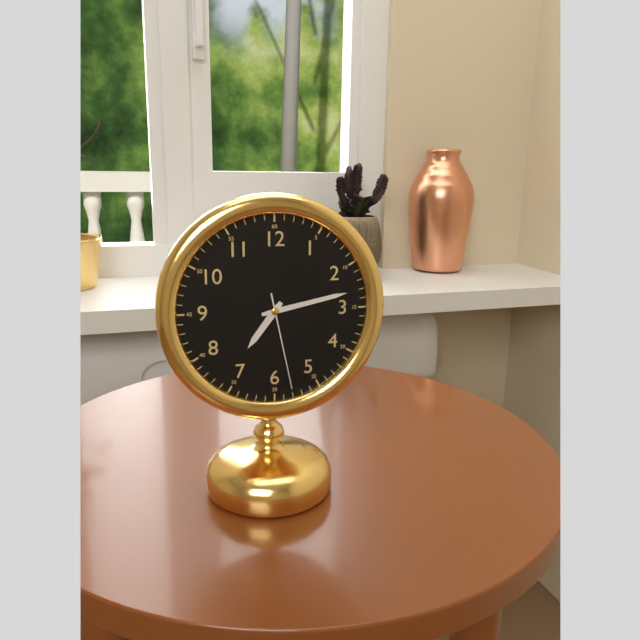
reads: 7,13,28
